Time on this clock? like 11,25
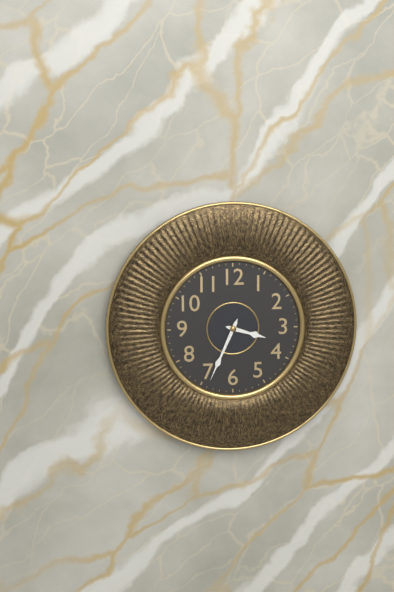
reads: 3,34
